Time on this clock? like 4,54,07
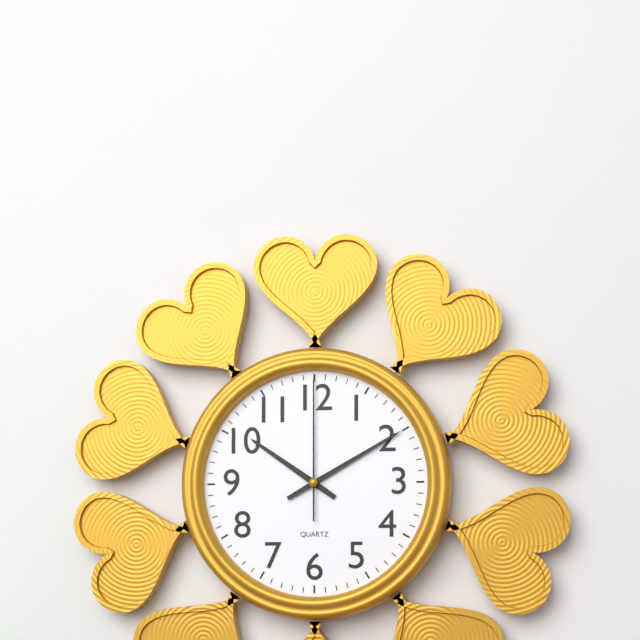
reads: 10,10,00
